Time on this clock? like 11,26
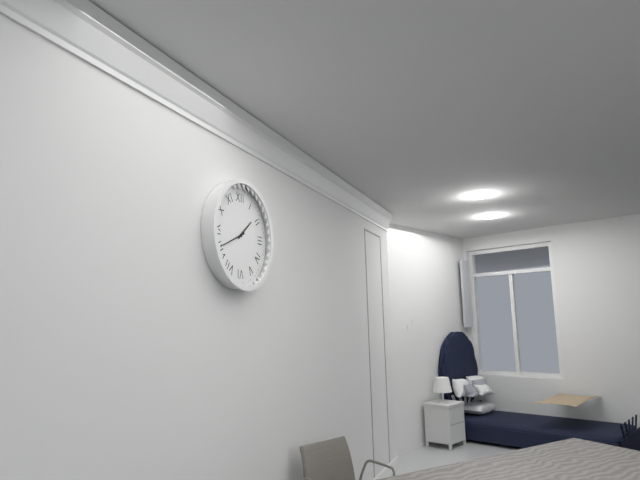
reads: 1,41
